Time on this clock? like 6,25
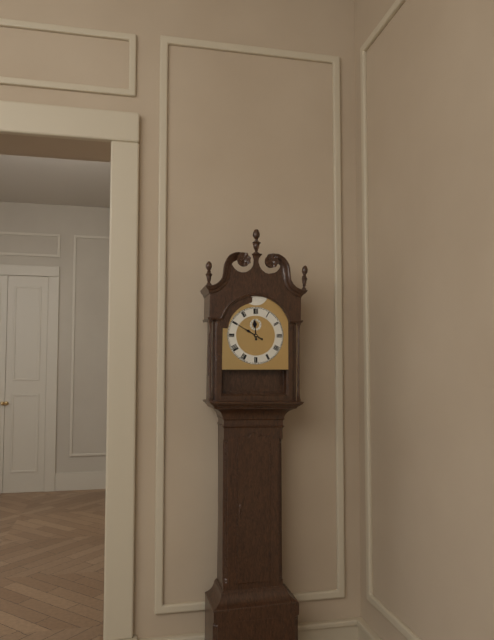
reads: 11,50
